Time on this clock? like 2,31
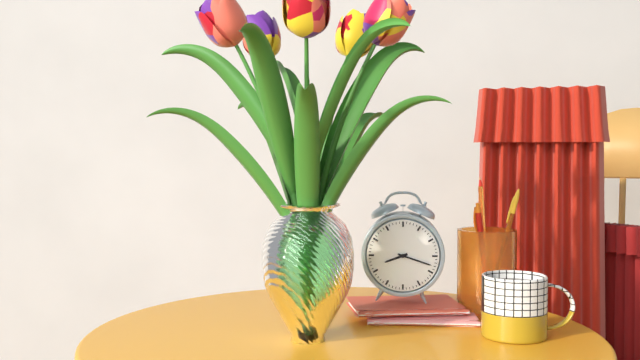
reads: 8,18
